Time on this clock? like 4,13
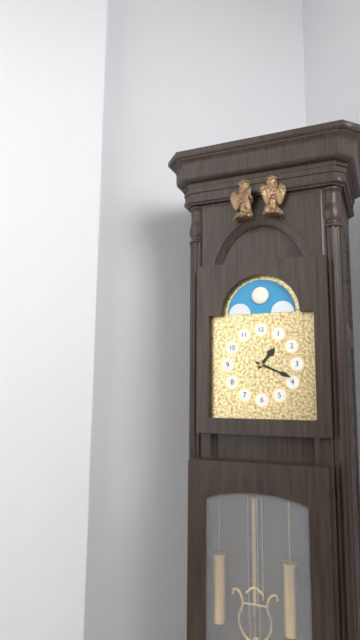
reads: 1,19
